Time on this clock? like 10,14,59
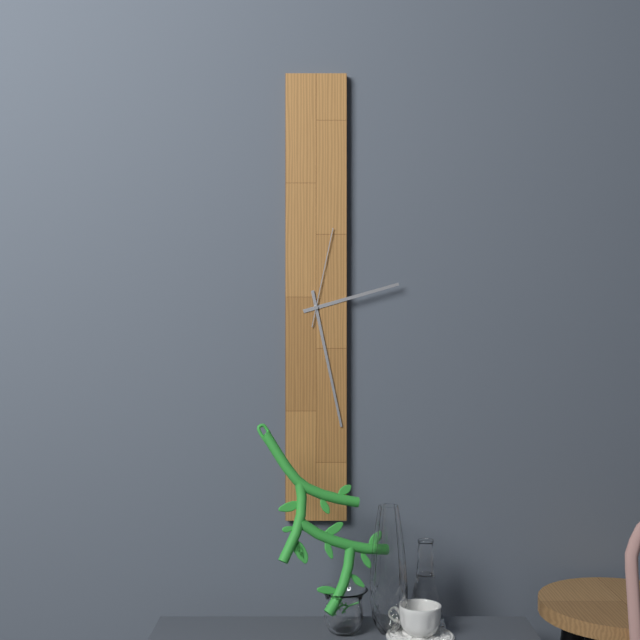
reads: 2,28,02
